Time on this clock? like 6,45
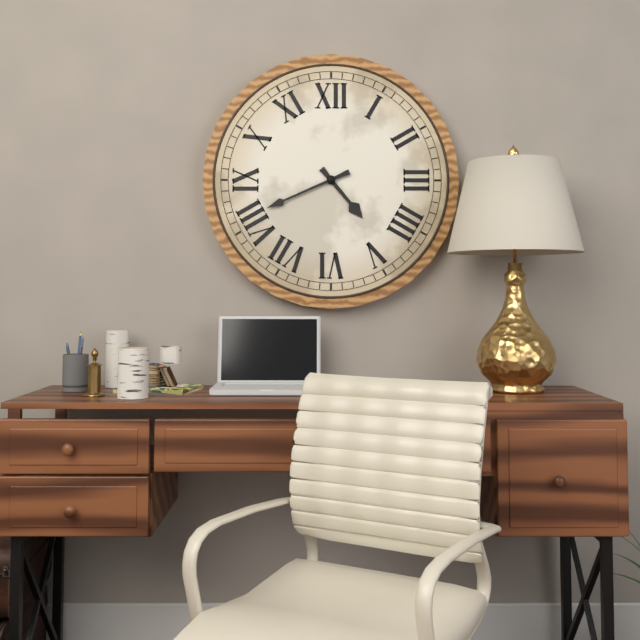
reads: 4,41
